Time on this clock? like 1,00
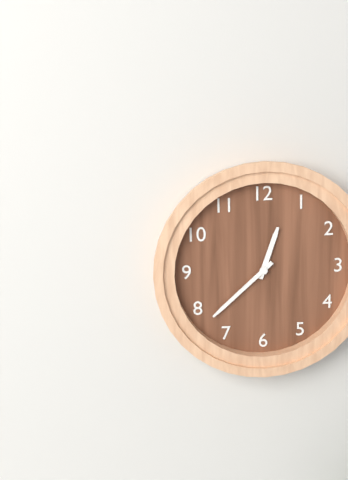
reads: 12,38
